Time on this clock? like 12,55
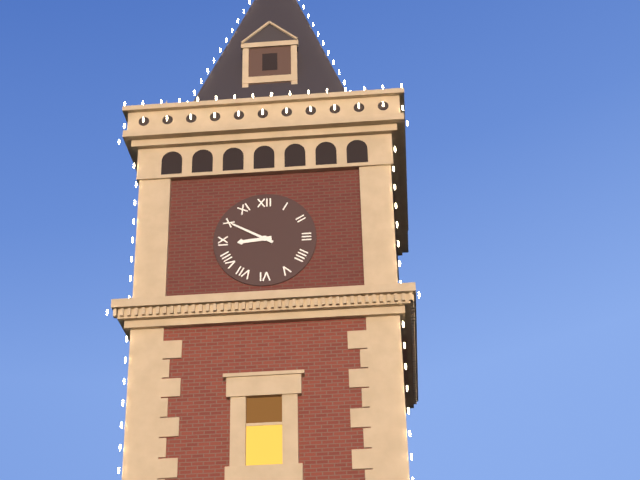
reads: 8,50
